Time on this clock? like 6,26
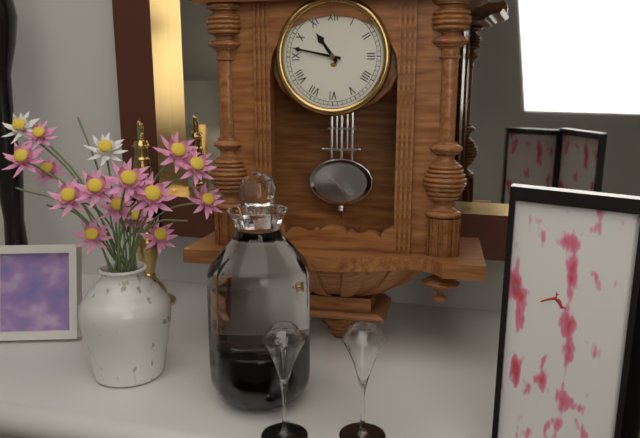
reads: 10,47
